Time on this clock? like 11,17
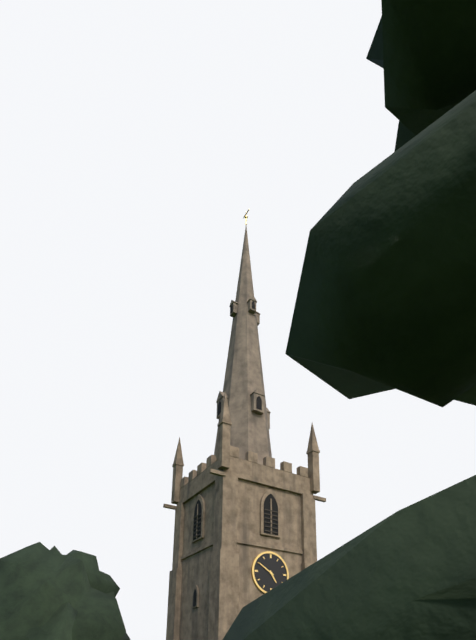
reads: 4,50
